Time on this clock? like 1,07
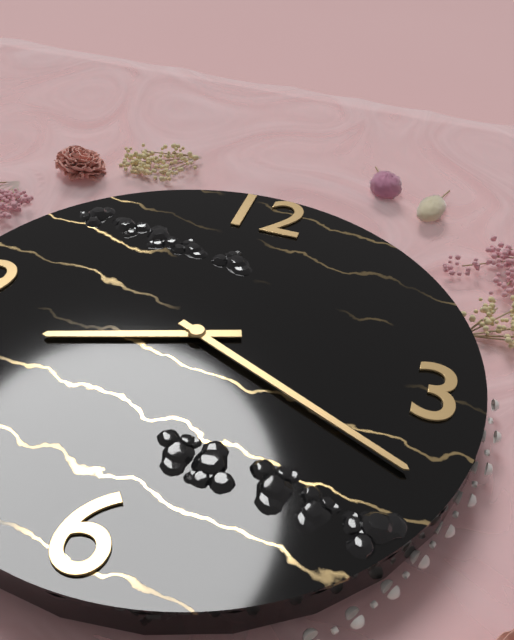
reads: 8,19
